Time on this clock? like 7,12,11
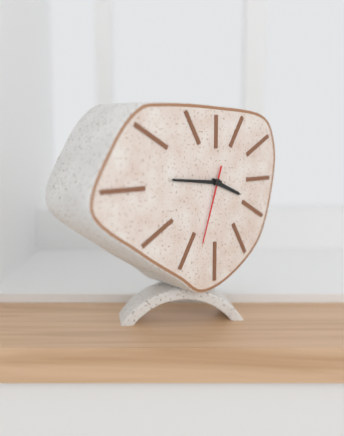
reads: 3,46,33
